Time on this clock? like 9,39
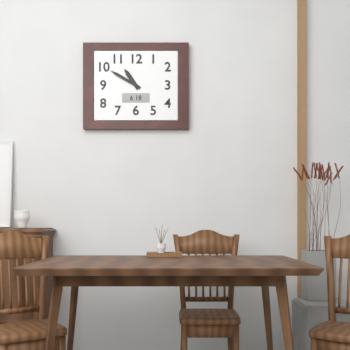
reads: 10,50
